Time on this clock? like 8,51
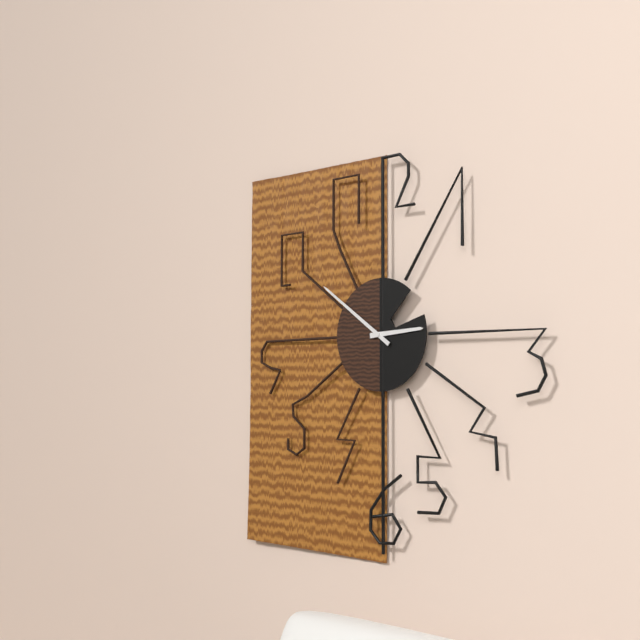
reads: 2,51
